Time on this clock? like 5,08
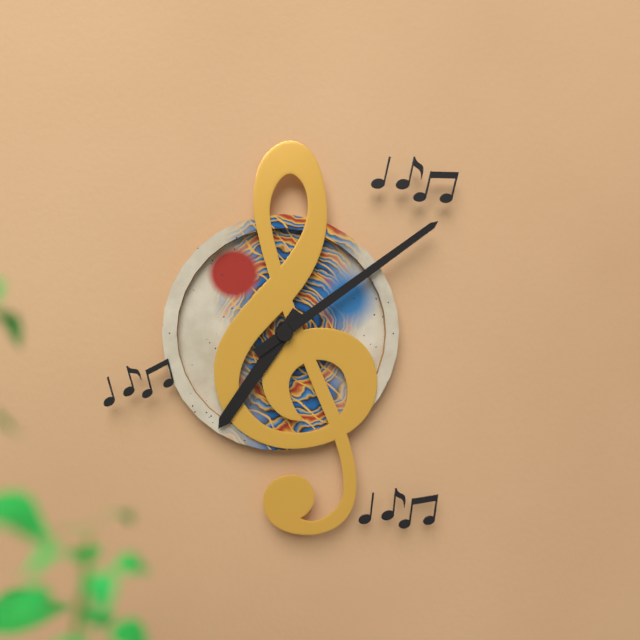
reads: 7,09
